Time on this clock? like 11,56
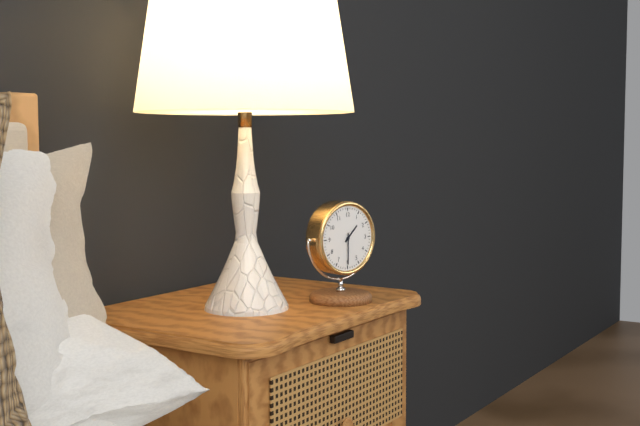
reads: 1,30
